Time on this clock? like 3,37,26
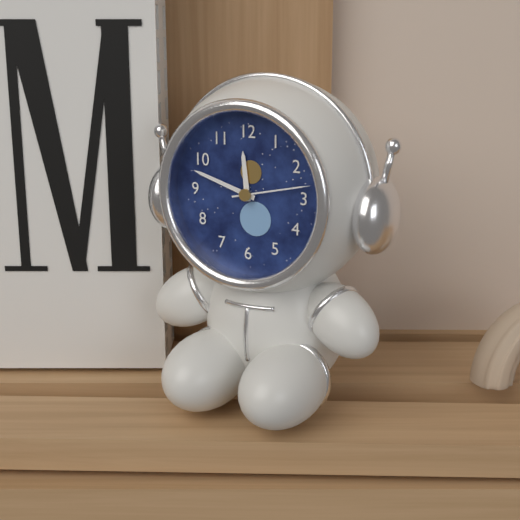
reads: 11,48,13
